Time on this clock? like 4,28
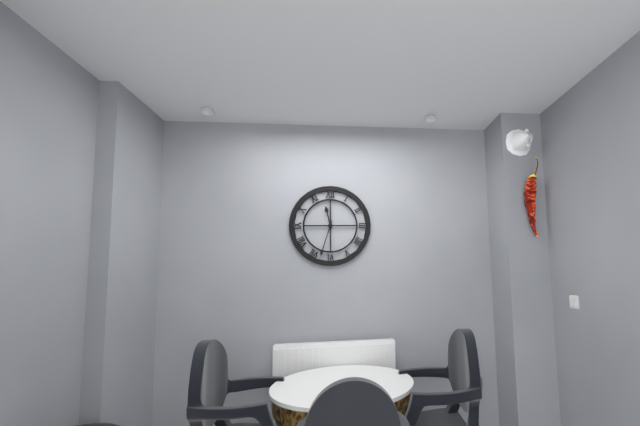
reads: 11,33
